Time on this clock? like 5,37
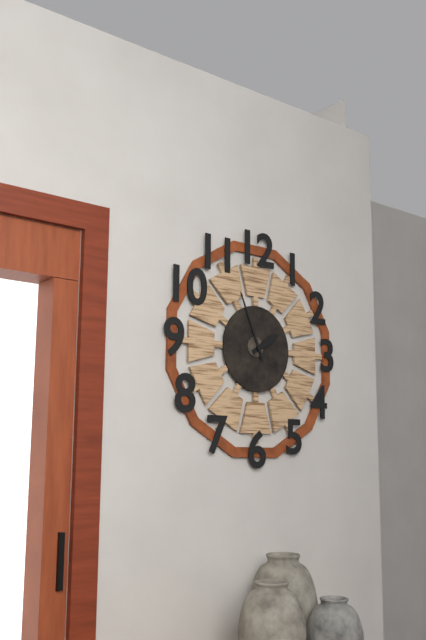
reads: 1,56
